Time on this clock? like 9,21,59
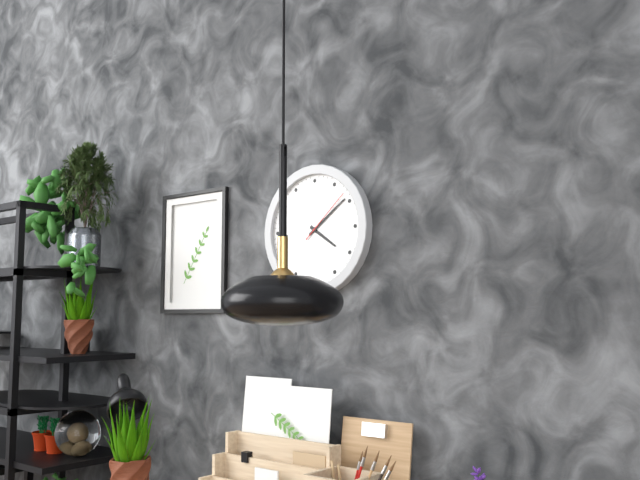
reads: 4,09,08
